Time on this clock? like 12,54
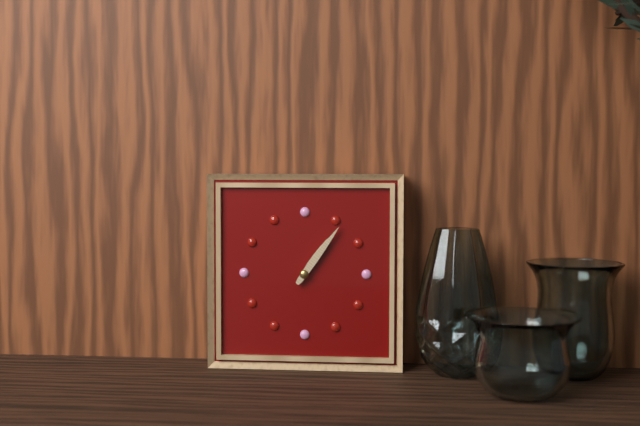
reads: 1,06
